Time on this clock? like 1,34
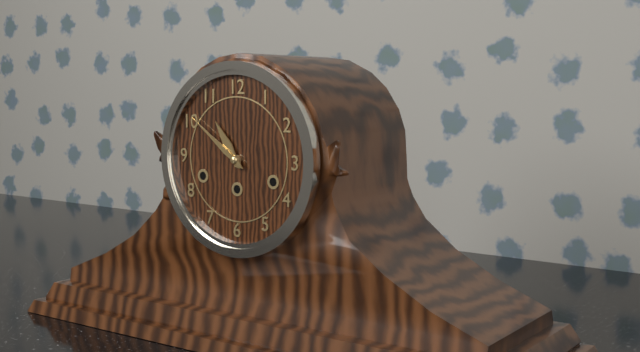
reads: 10,51
